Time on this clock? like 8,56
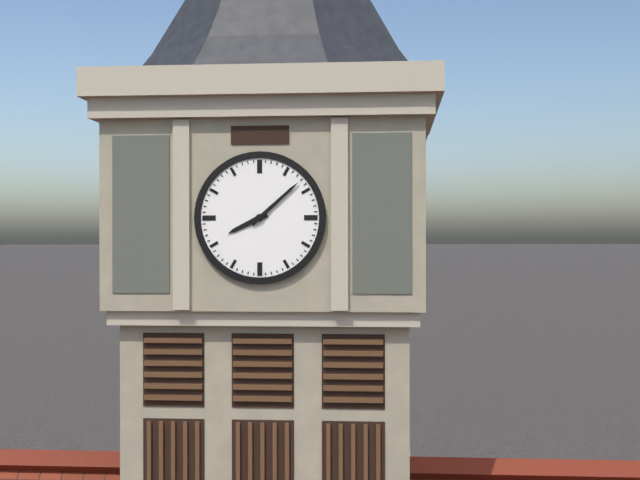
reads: 8,08
